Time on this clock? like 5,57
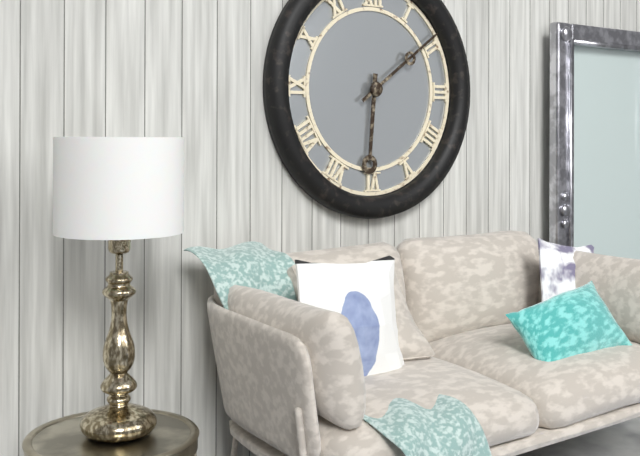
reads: 6,09
